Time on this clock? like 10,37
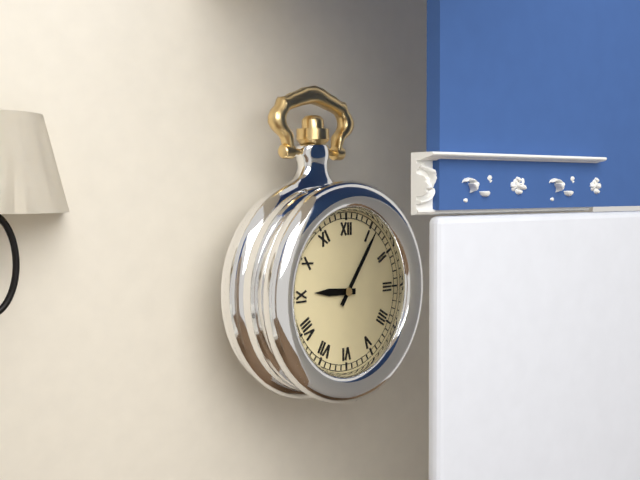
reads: 9,06
